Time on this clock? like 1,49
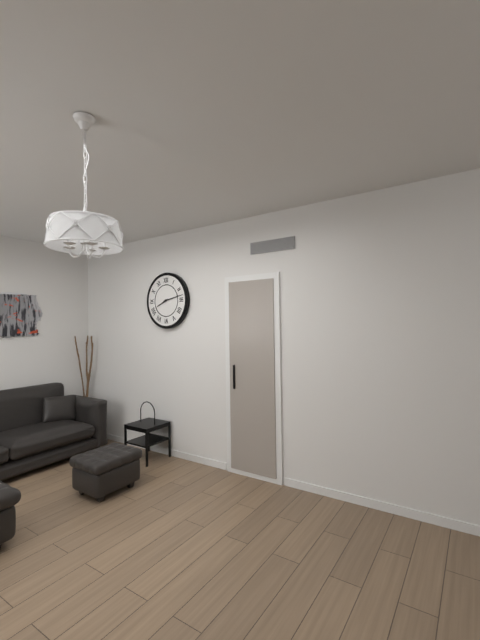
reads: 8,13
